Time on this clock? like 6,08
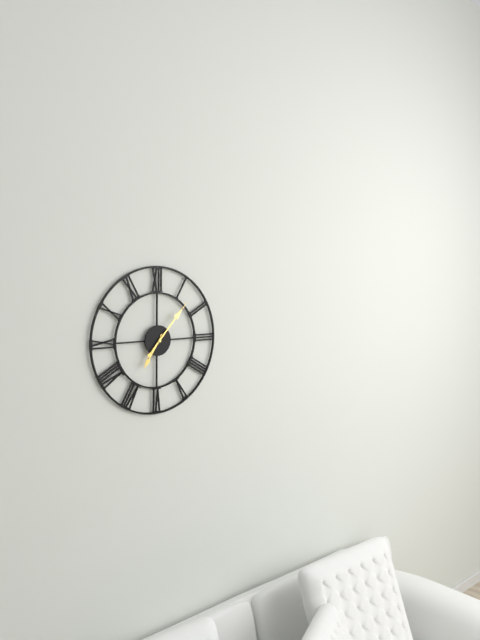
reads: 7,07
